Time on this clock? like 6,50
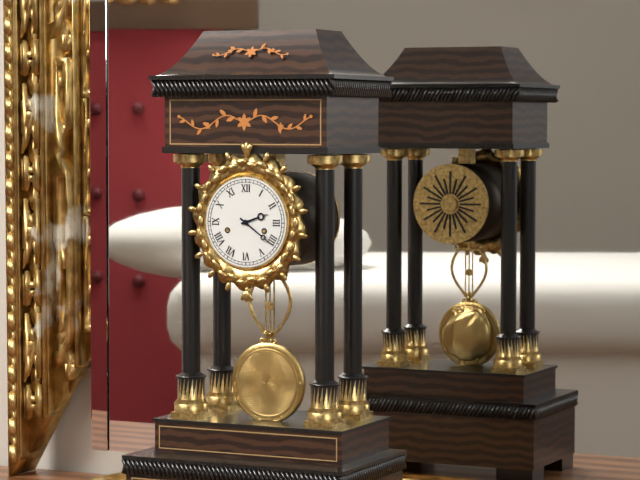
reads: 2,21
